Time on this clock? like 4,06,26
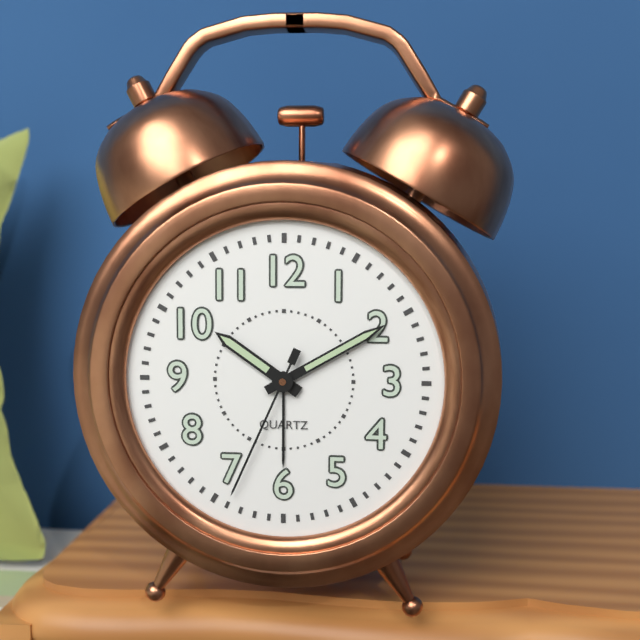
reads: 10,10,34
